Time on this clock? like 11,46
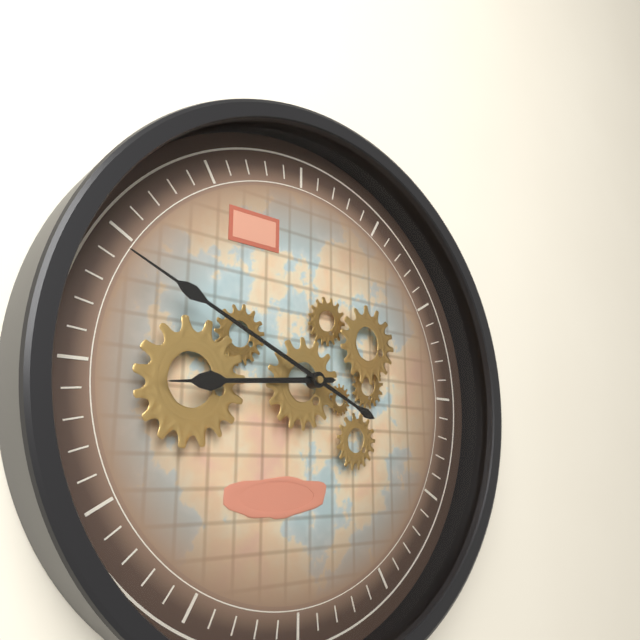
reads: 8,49
